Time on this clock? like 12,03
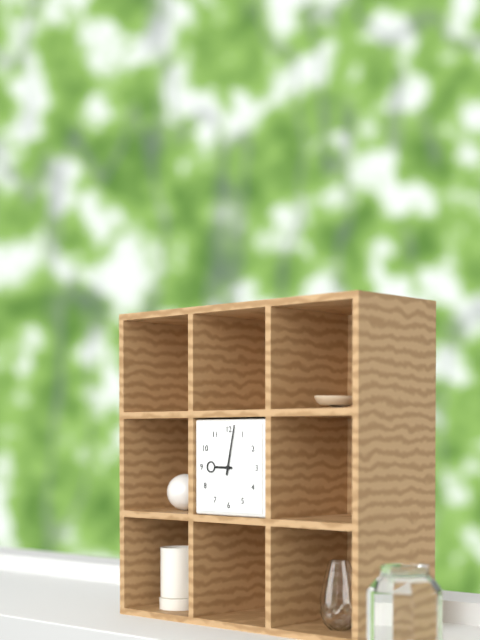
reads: 9,02
